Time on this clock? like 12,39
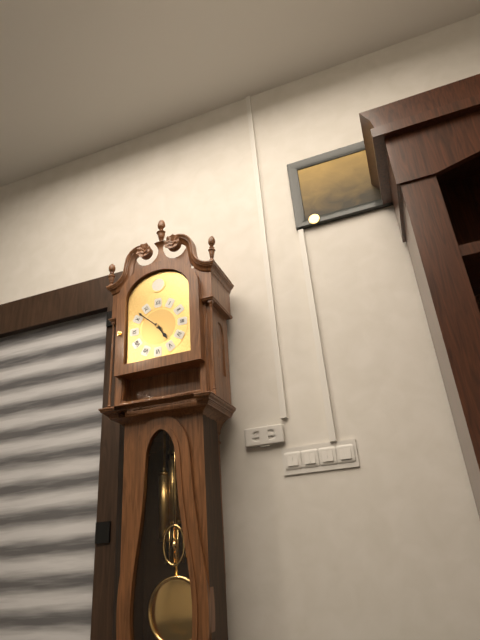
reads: 4,52
